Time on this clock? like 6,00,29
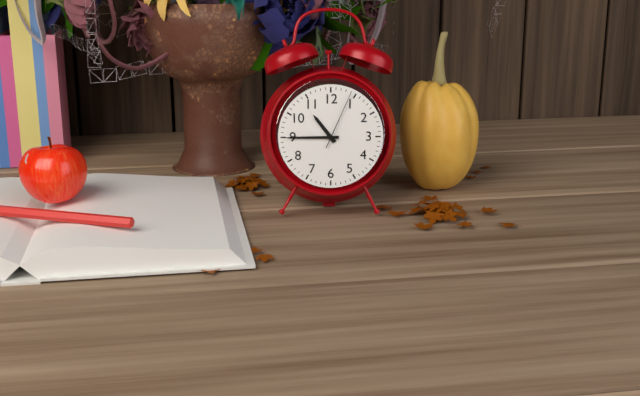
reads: 10,45,04
